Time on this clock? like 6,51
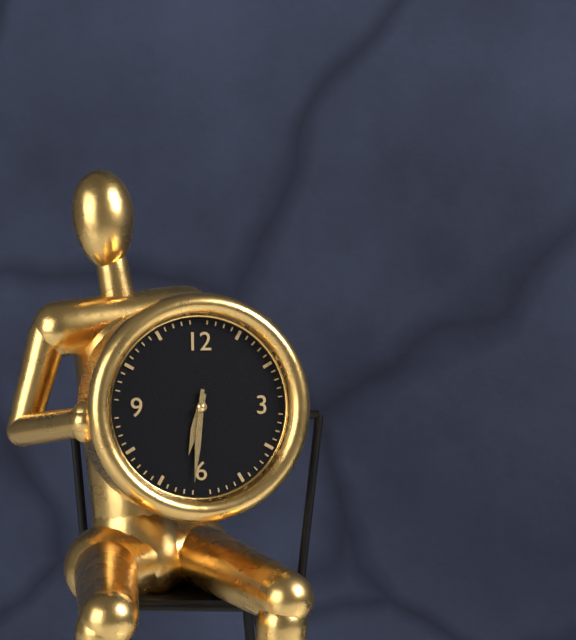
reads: 6,31
